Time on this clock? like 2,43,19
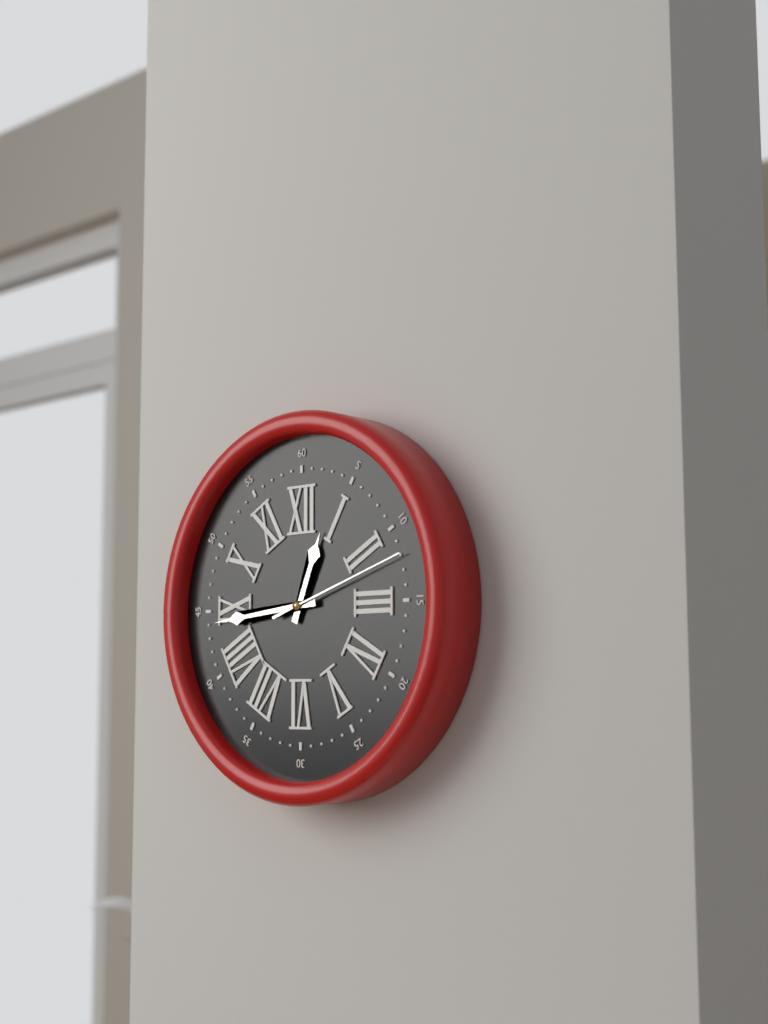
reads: 12,44,12
